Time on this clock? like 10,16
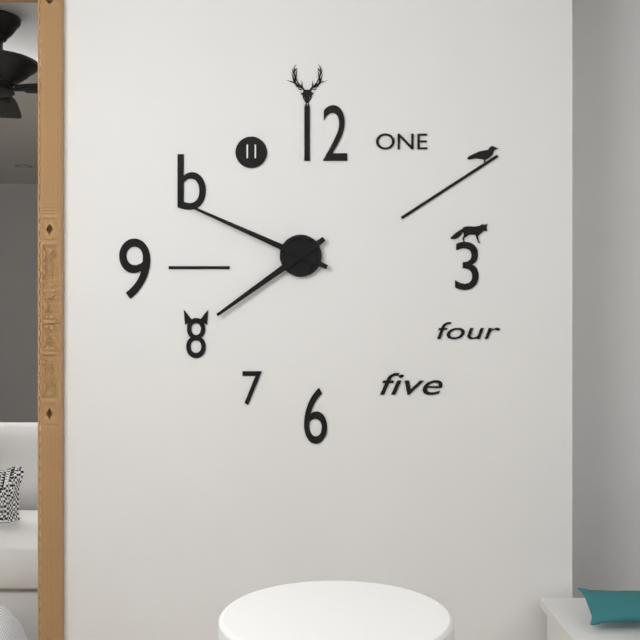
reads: 7,49
